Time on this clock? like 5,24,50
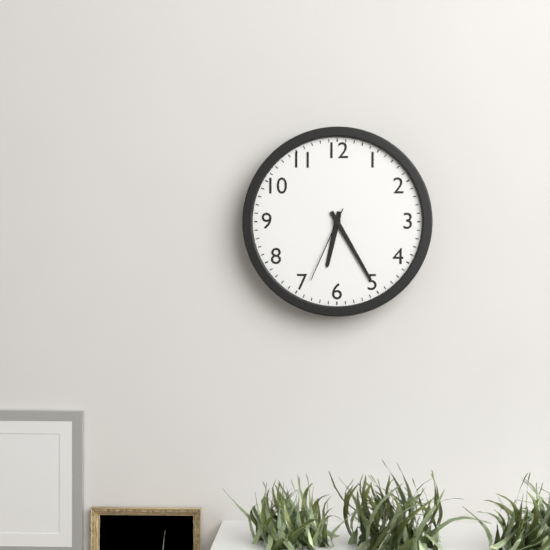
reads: 6,25,34
